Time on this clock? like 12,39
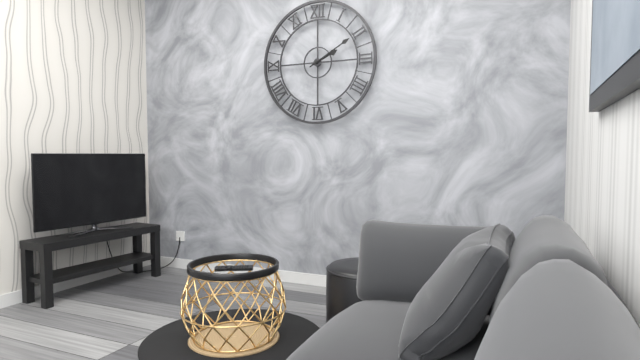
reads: 2,10
